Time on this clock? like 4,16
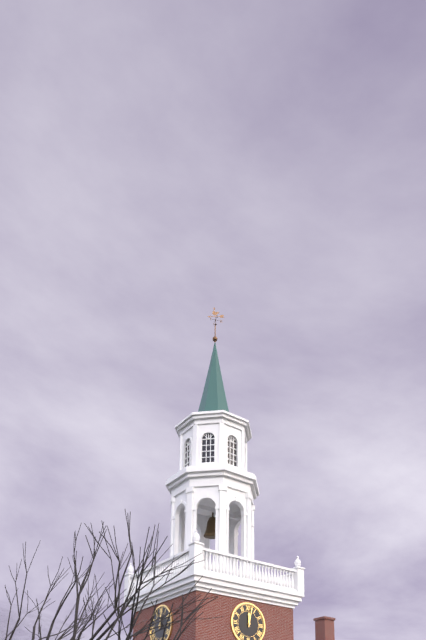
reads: 12,02
